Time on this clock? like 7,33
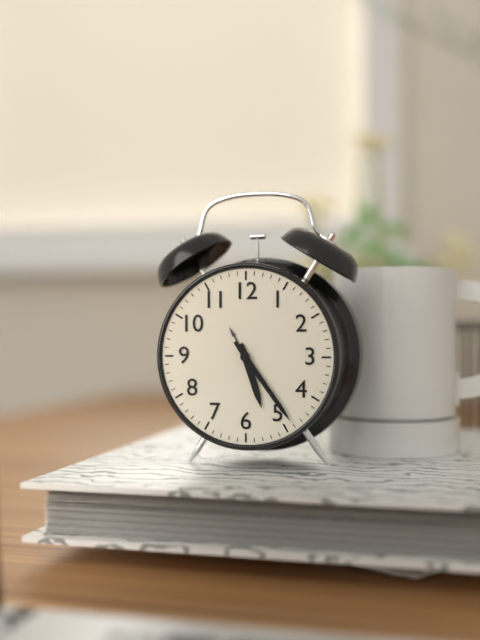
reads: 5,24
